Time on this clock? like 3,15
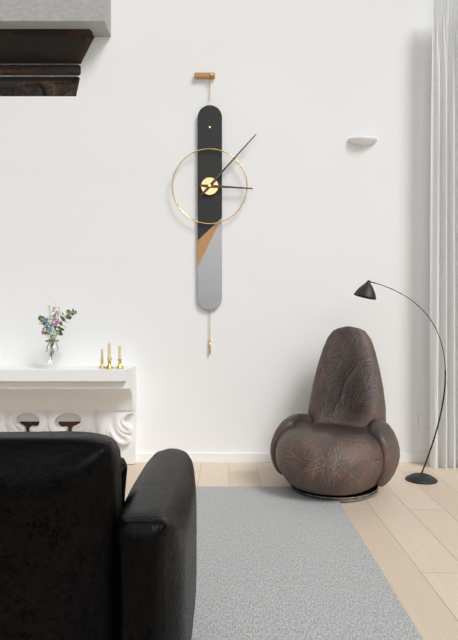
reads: 3,07
